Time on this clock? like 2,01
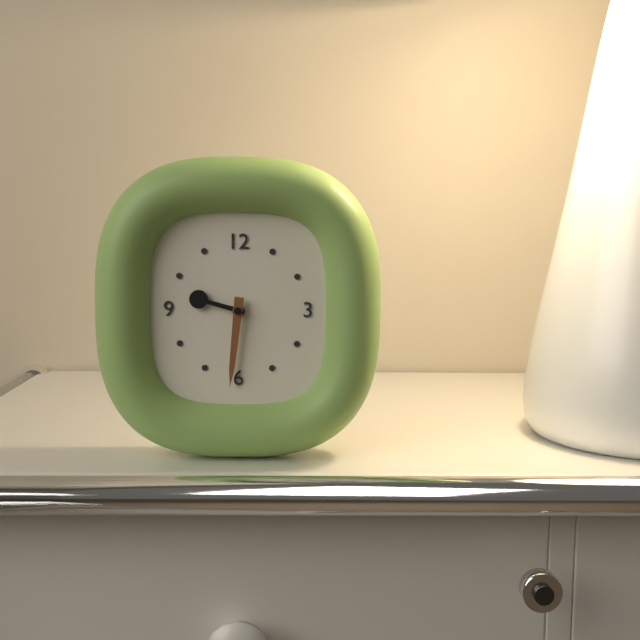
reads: 9,31
